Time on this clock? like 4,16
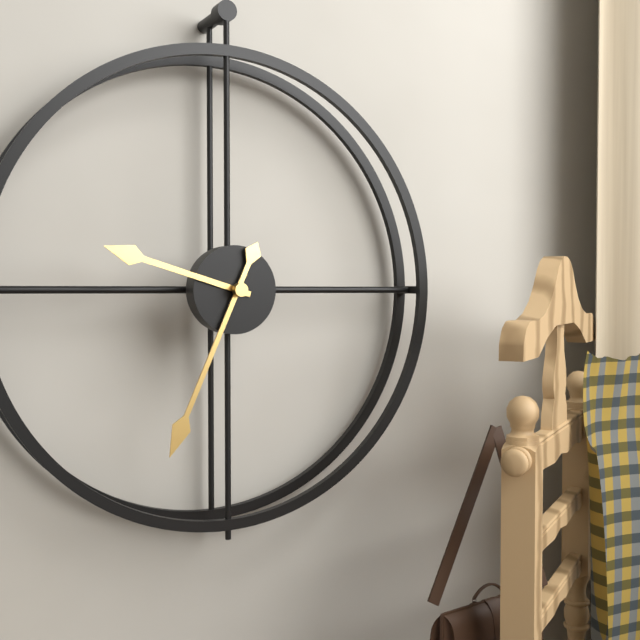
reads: 9,34
